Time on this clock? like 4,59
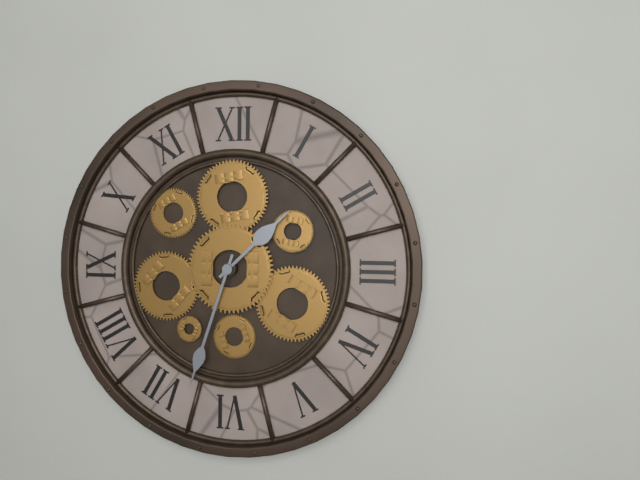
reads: 1,33
